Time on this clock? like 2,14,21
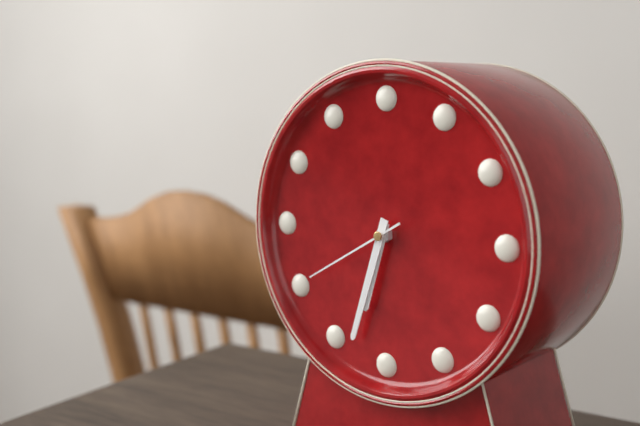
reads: 6,33,40
